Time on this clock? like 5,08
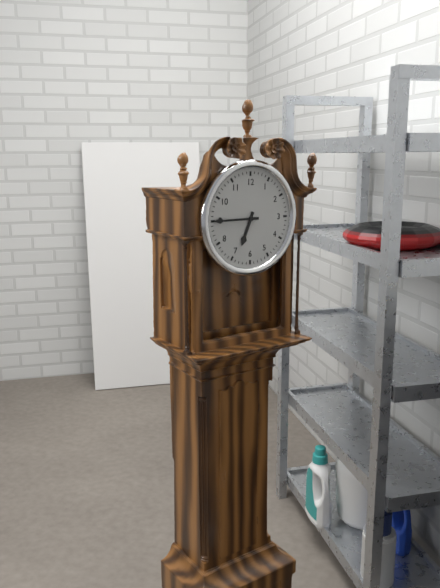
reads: 6,45
